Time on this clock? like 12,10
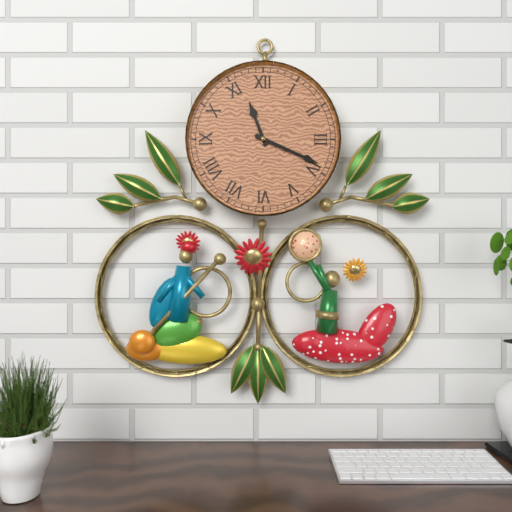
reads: 11,19
